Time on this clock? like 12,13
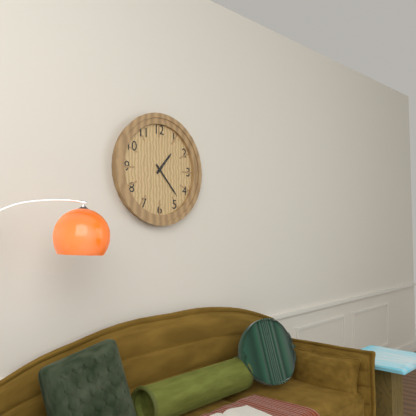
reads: 1,23
